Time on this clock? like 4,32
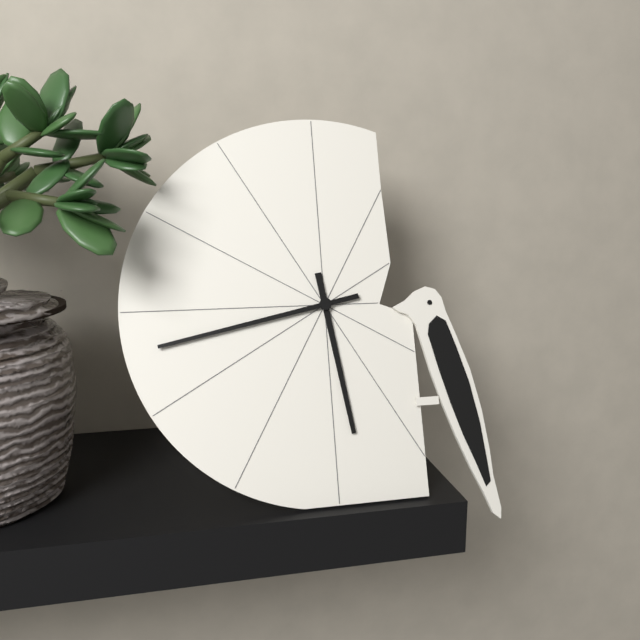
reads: 5,43
